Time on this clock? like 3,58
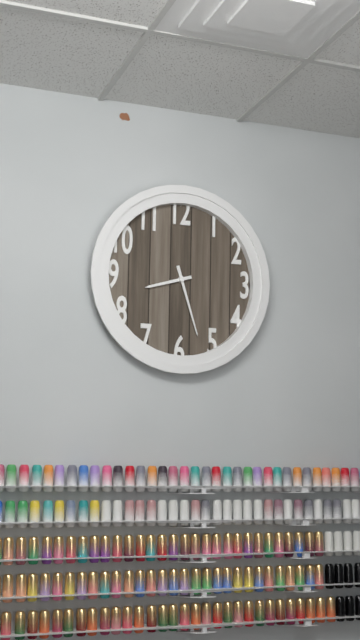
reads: 8,27
